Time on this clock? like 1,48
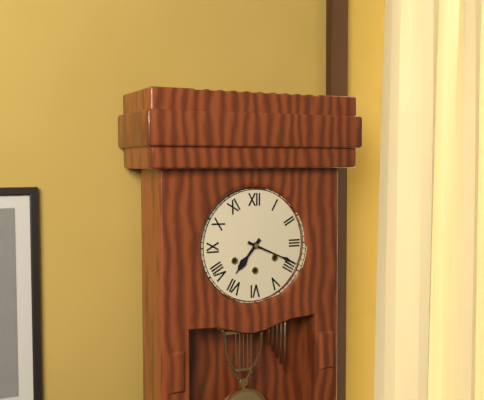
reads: 7,19
